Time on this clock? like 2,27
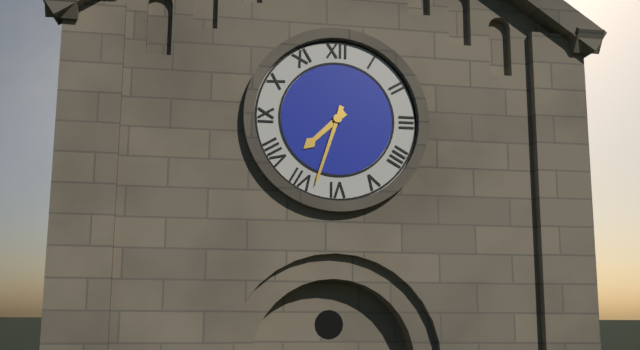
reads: 7,33
